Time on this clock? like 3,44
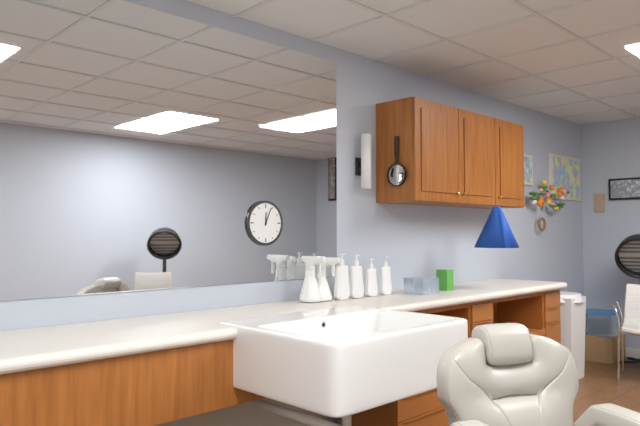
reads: 12,04
